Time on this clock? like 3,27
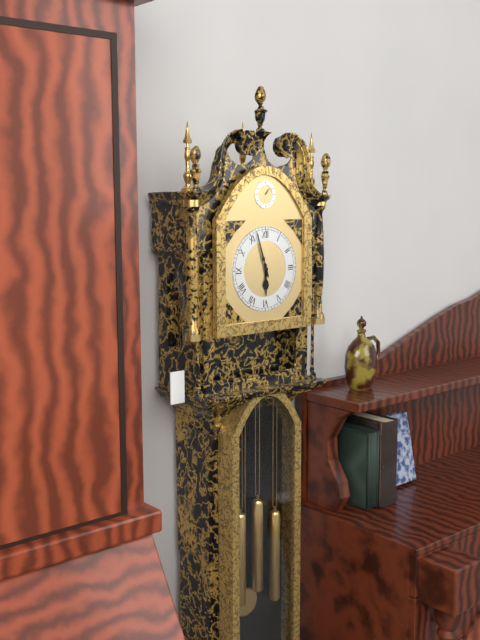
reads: 5,57
